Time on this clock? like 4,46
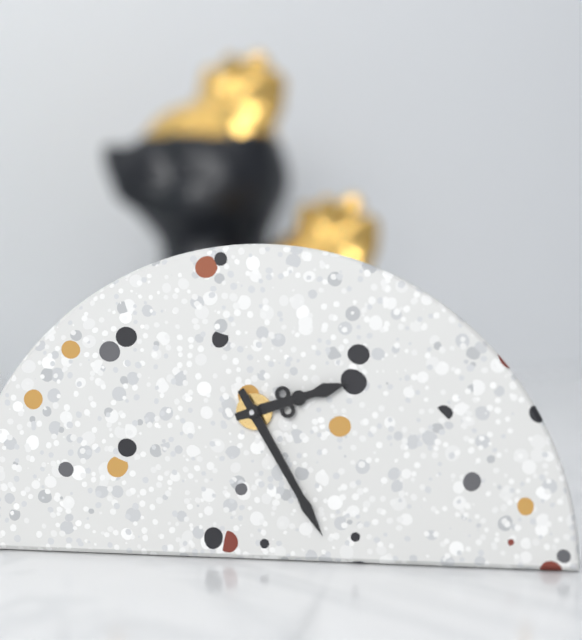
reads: 2,25
